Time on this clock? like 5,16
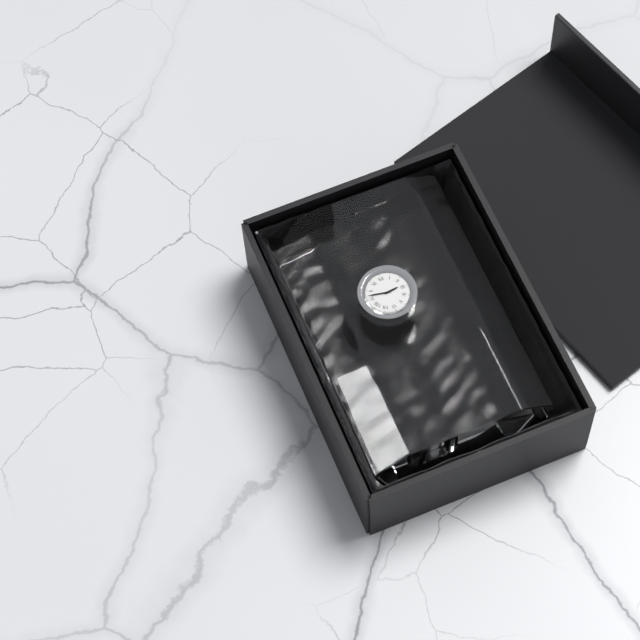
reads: 2,47
